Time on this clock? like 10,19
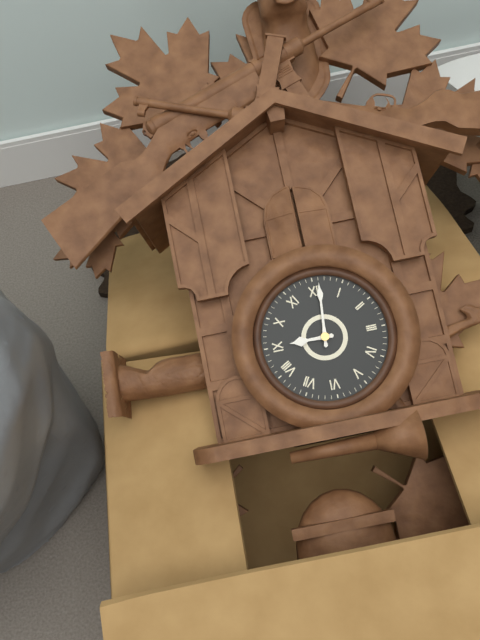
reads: 9,01
